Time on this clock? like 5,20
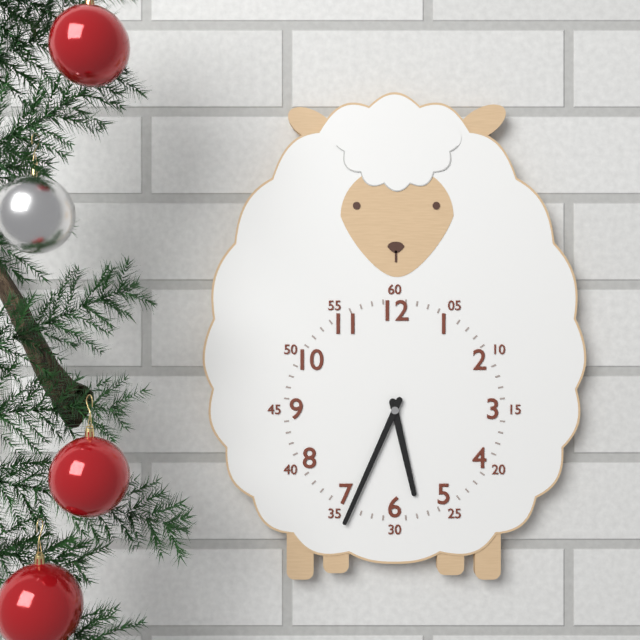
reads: 5,34
